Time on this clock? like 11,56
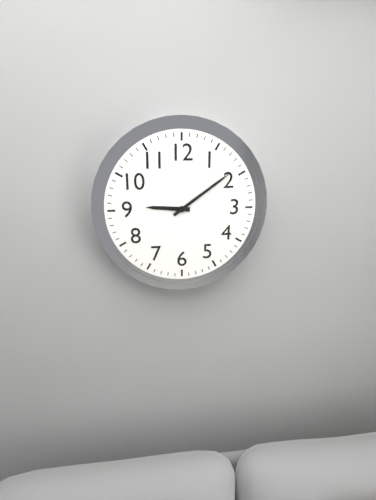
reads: 9,09
